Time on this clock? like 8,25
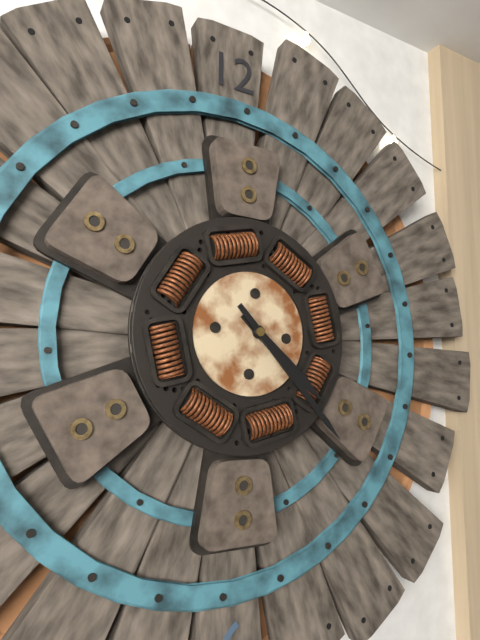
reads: 4,23
